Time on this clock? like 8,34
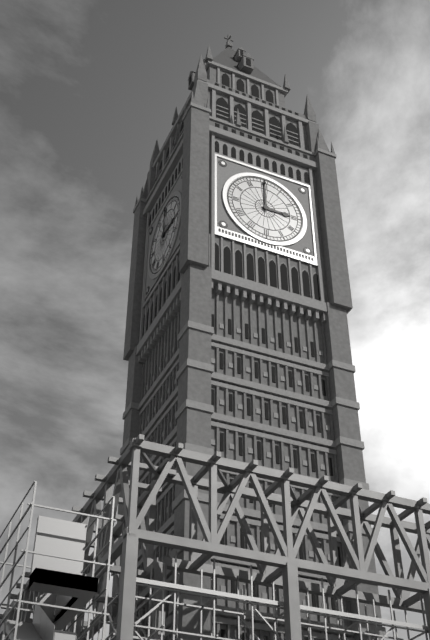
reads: 3,00
